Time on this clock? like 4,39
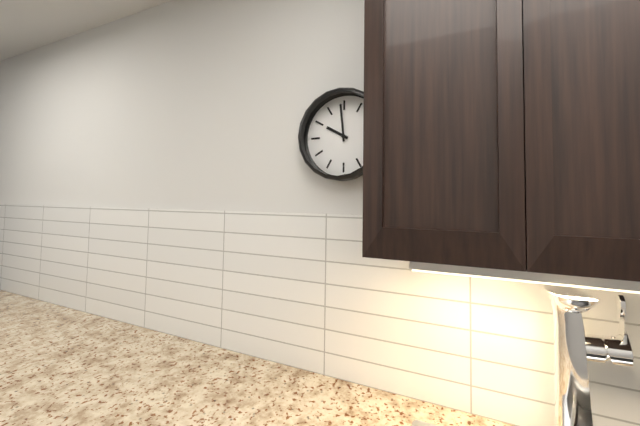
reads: 9,59
